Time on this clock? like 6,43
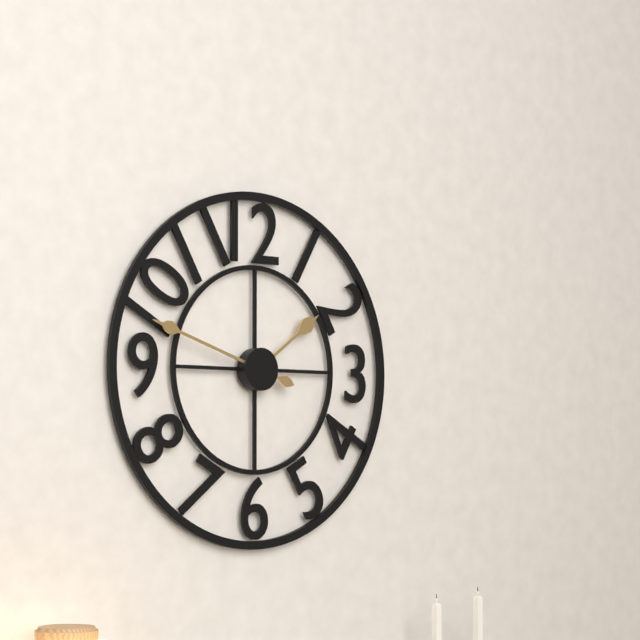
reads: 1,48
